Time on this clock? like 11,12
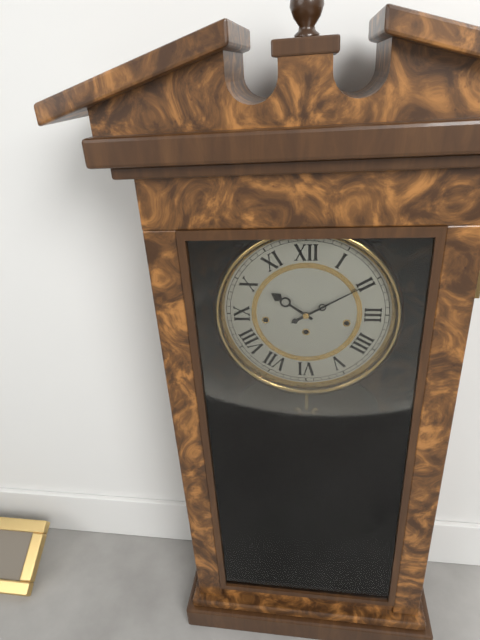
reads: 10,10
